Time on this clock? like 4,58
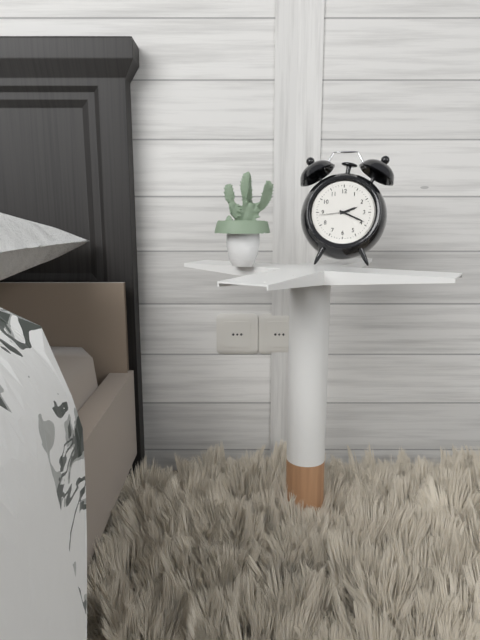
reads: 2,19
